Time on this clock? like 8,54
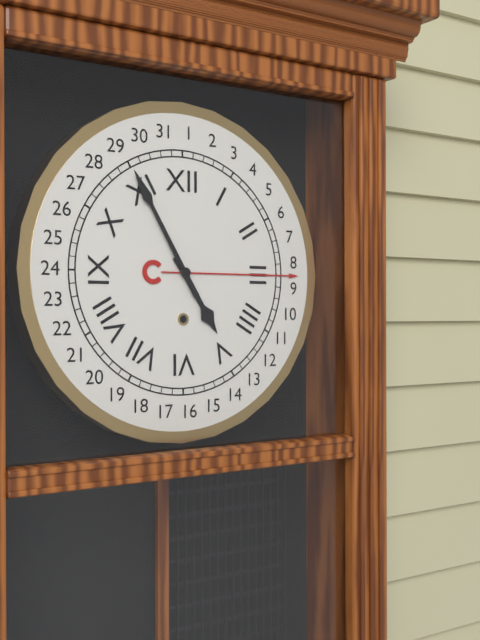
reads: 4,55
